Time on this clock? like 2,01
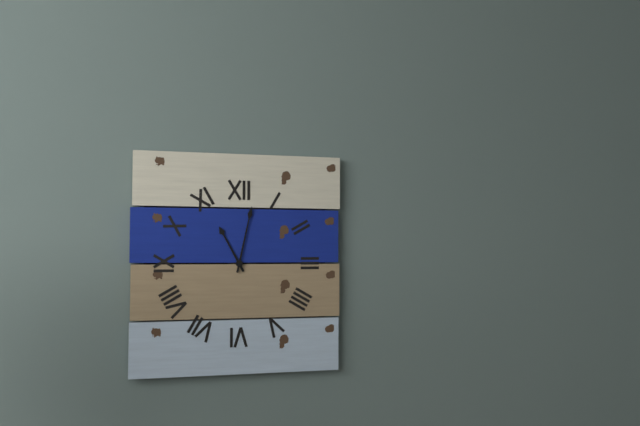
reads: 11,02
